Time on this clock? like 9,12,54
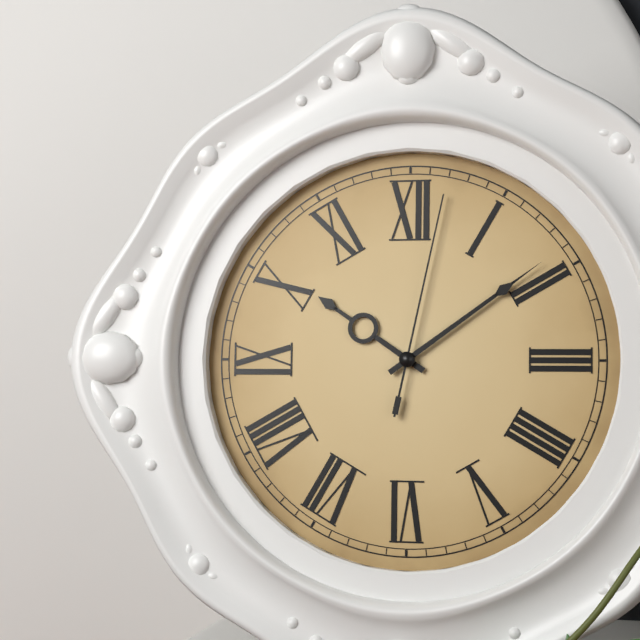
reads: 10,09,02
